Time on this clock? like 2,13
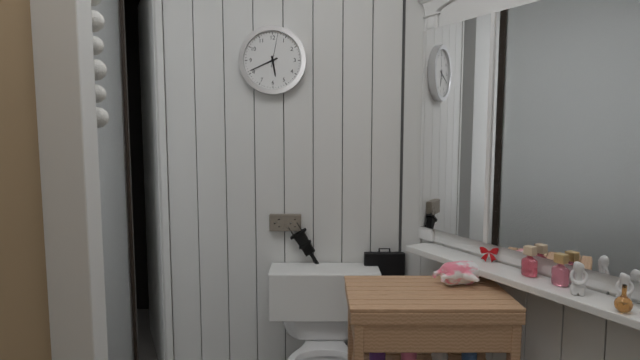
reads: 5,41
